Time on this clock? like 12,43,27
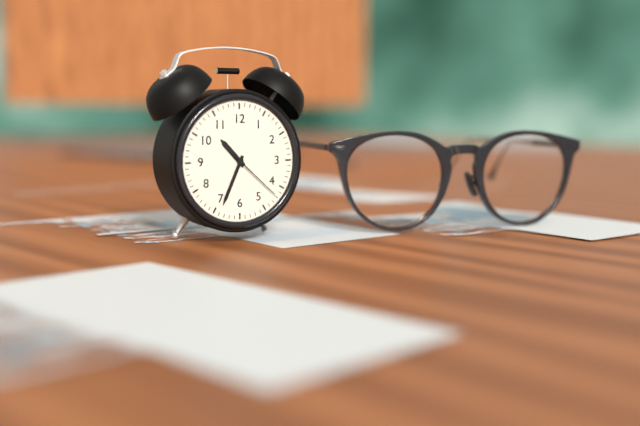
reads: 10,34,22
